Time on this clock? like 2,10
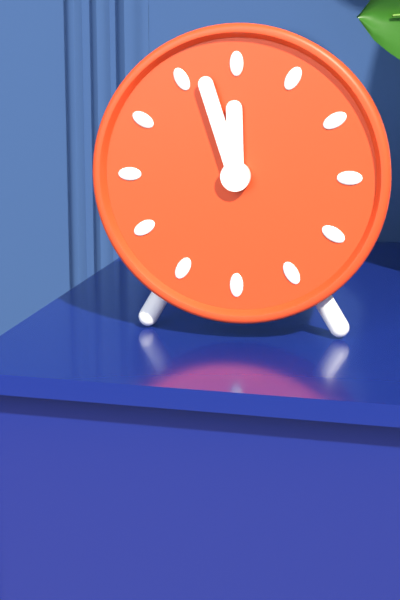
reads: 11,57
